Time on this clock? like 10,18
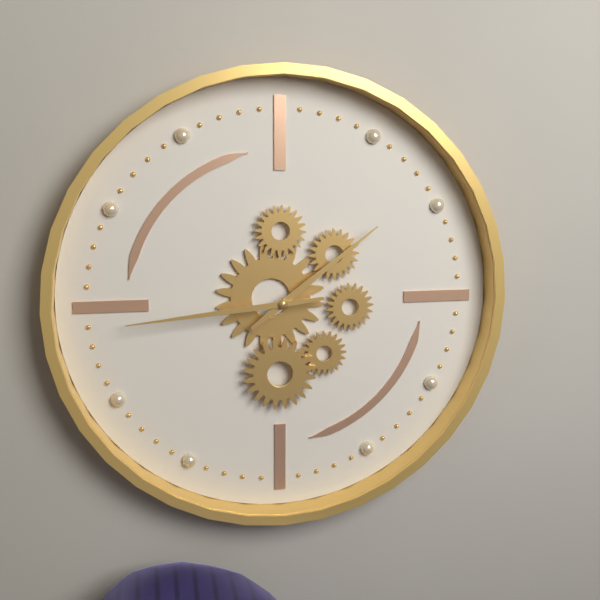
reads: 1,44
